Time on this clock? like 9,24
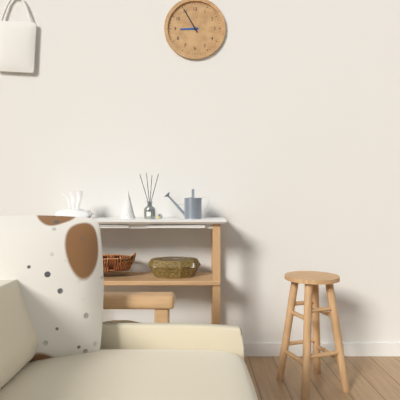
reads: 8,55
